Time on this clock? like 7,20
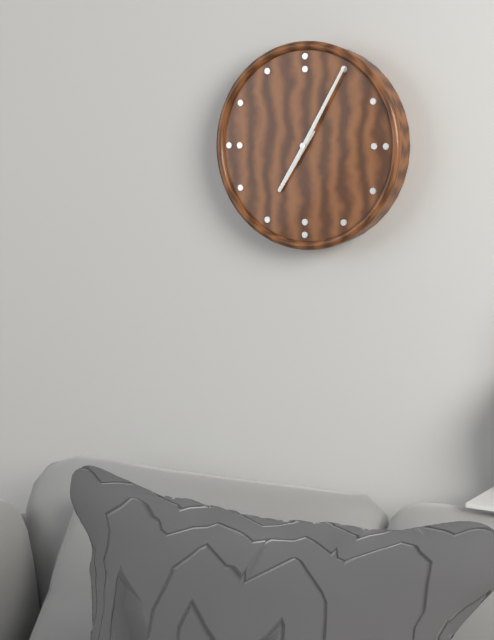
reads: 7,05
